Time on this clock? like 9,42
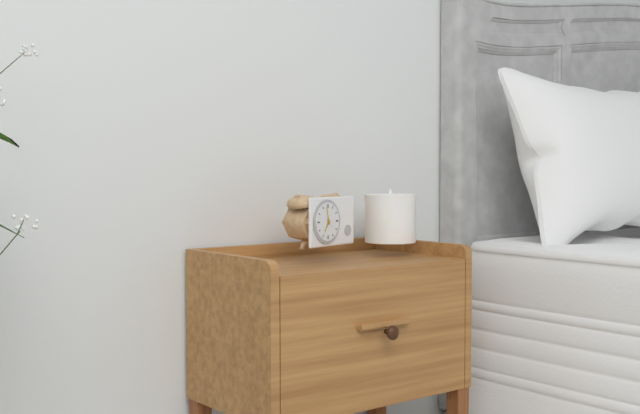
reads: 6,58
